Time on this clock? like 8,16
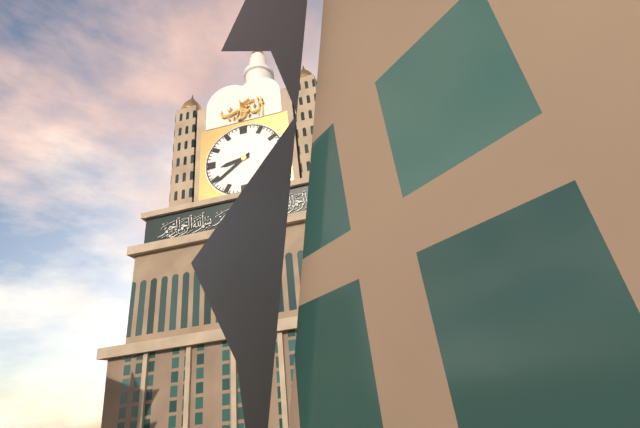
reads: 8,39
